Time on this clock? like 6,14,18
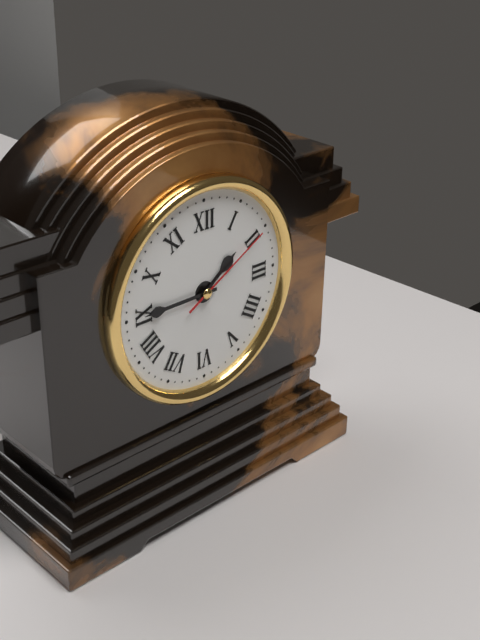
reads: 1,45,10
